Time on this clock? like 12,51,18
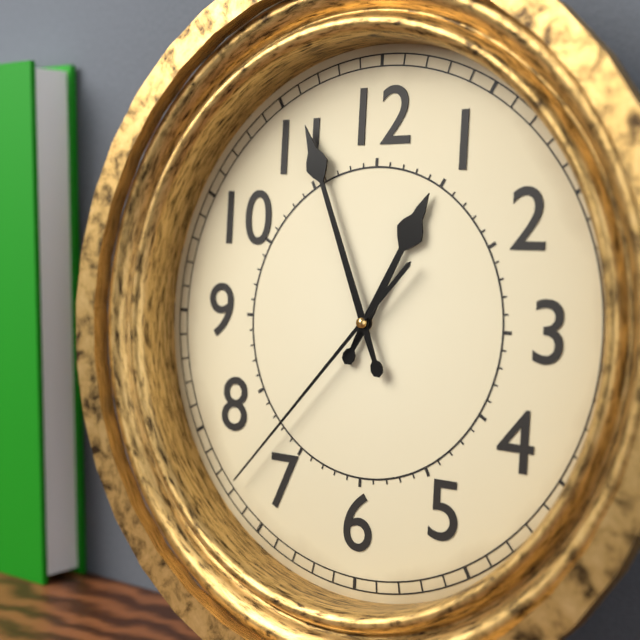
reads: 12,56,37
